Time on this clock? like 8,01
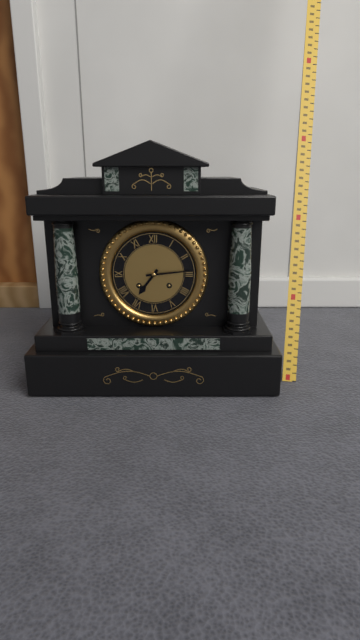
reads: 7,14
